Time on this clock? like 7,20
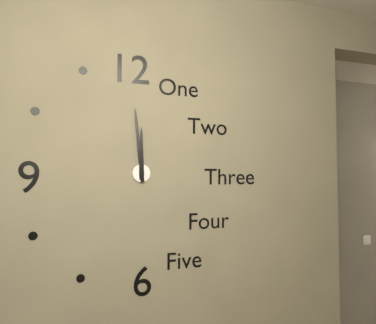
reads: 11,59
